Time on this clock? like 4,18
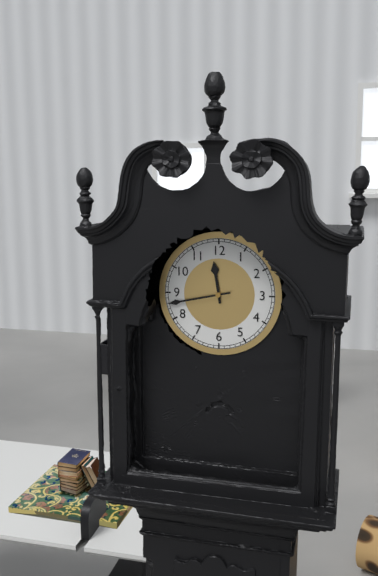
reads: 11,43
